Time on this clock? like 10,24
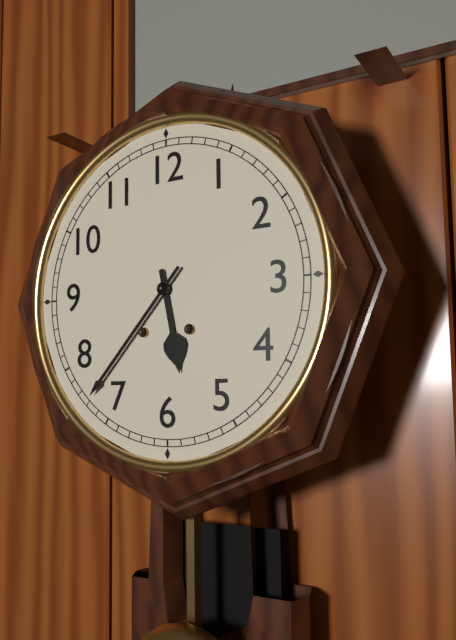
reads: 5,37
